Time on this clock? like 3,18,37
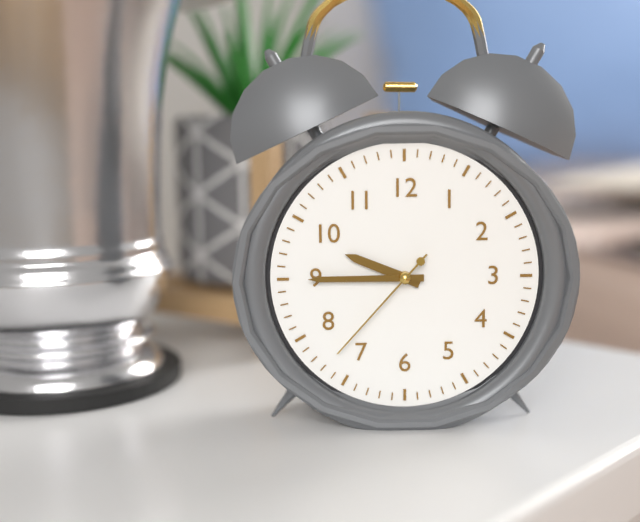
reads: 9,45,37
